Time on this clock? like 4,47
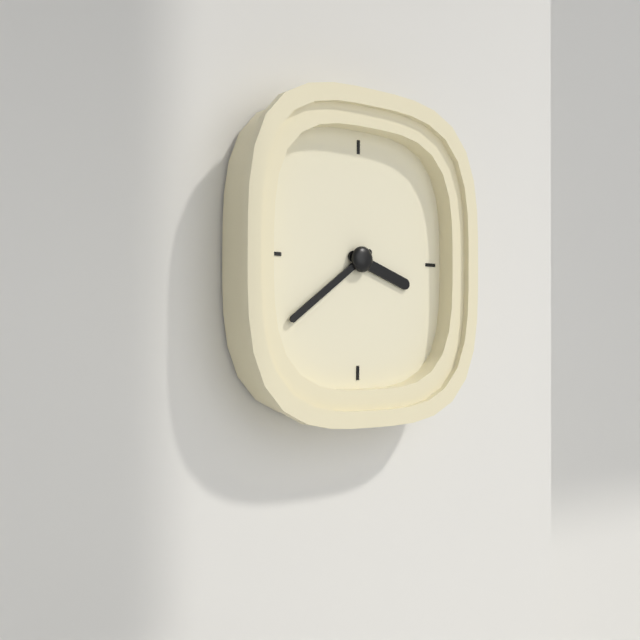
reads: 3,39
